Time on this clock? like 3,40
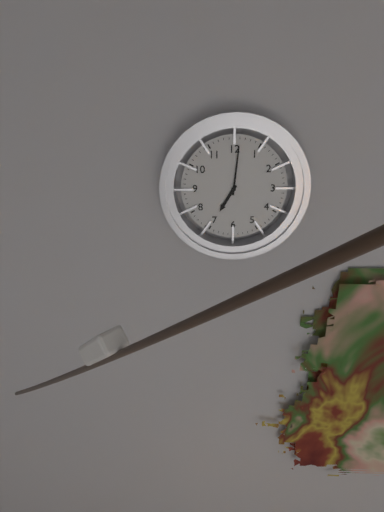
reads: 7,01
